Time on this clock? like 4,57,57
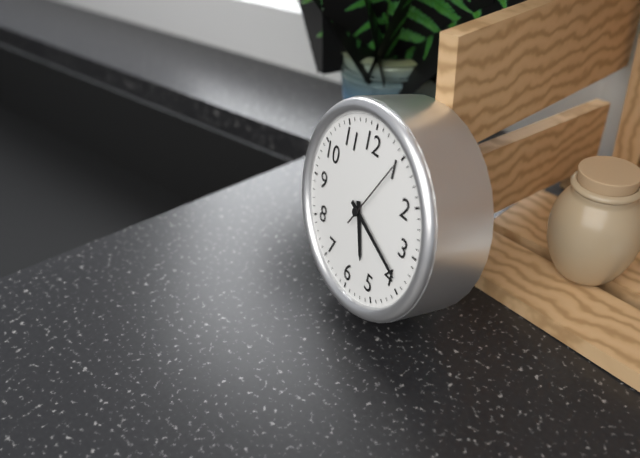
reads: 5,19,05
